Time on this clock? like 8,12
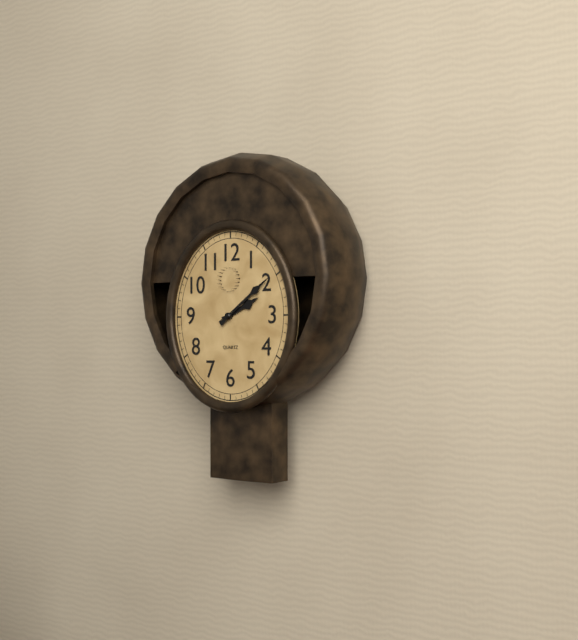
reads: 2,09
